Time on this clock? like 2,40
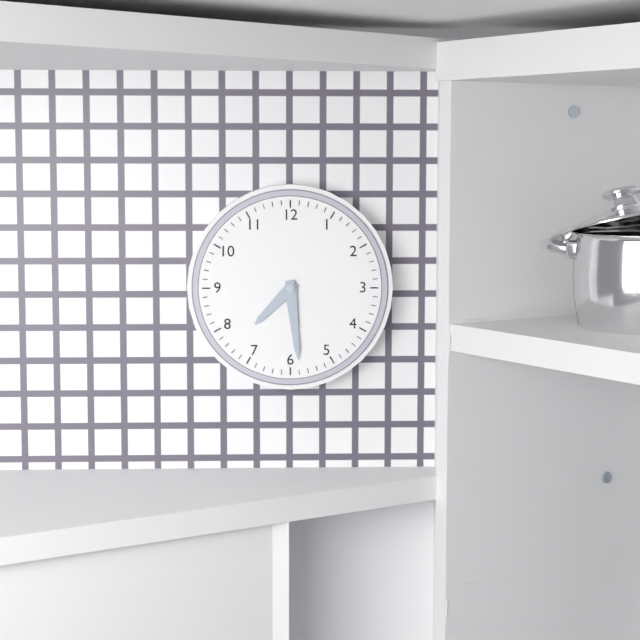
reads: 7,29
